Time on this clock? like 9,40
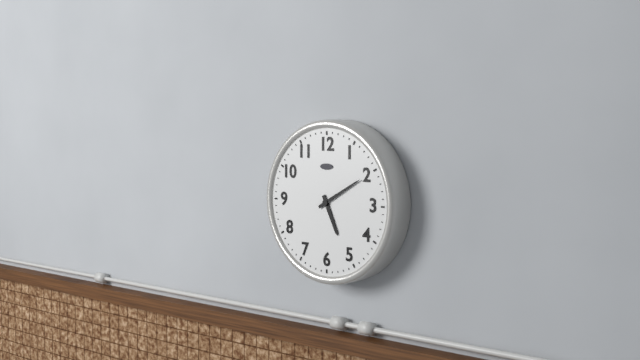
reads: 5,10
